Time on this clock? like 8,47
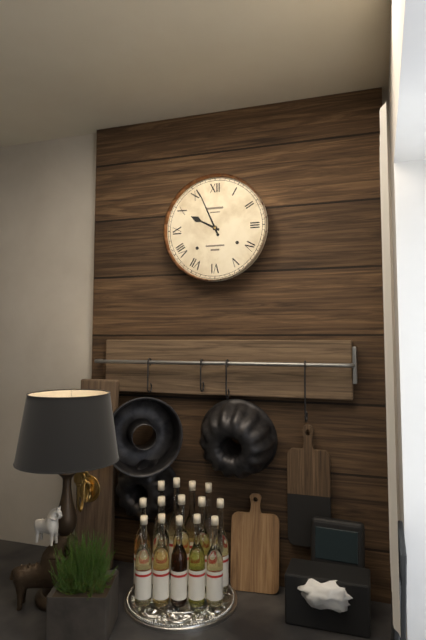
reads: 9,56
